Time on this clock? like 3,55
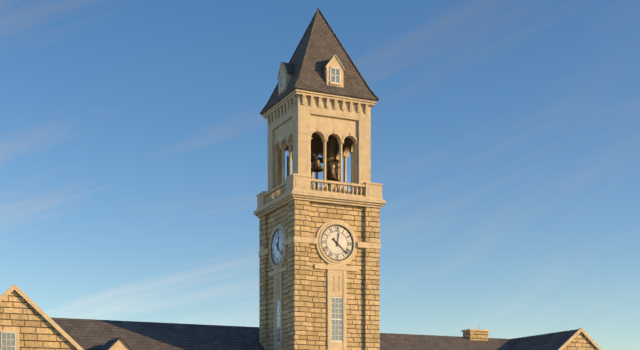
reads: 12,22
